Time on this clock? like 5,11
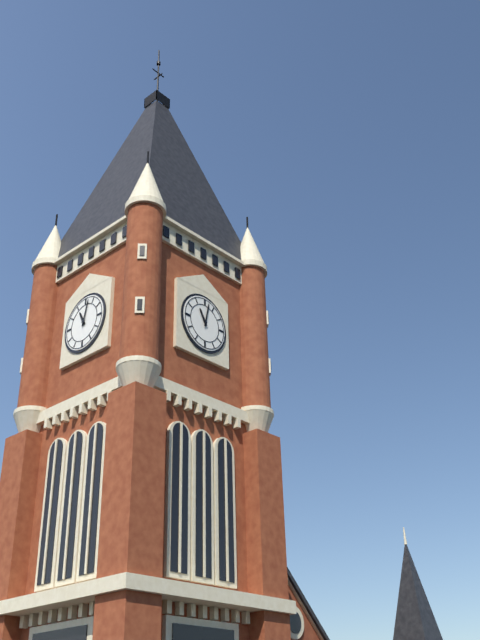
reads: 11,02
